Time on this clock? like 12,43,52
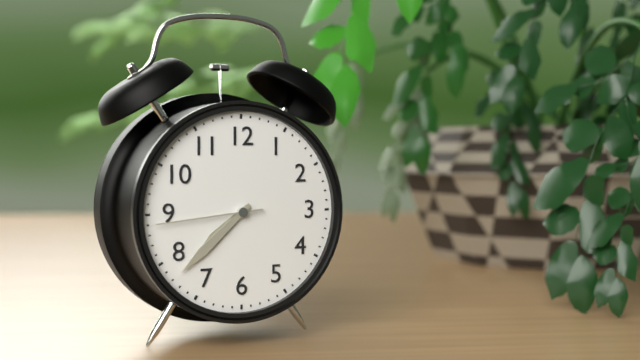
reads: 7,38,44
